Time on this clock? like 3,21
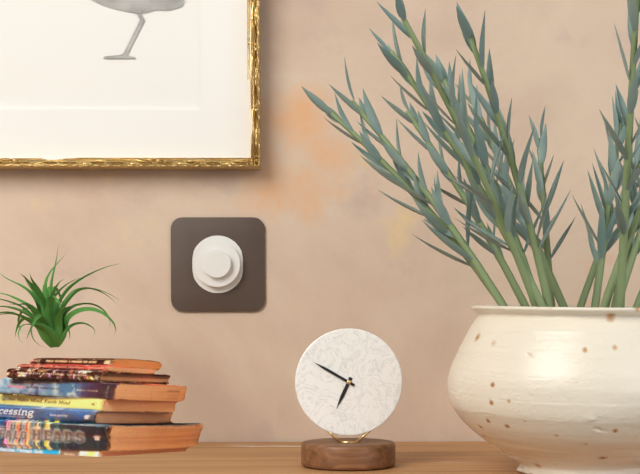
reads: 6,50
